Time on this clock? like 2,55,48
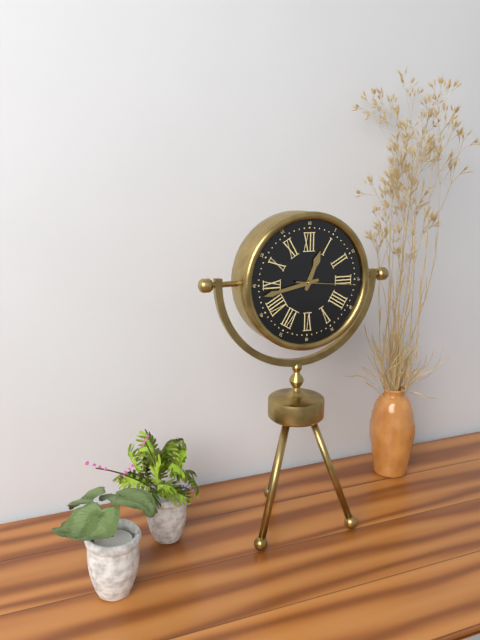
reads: 12,43,16
